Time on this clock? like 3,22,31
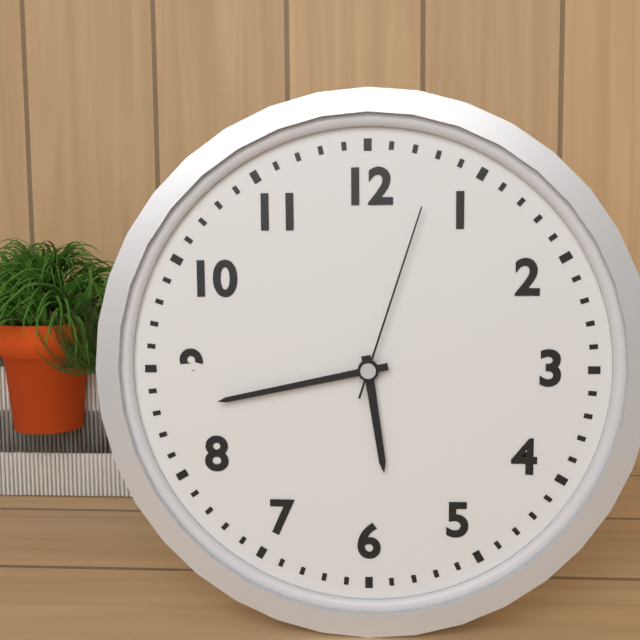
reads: 5,43,03
